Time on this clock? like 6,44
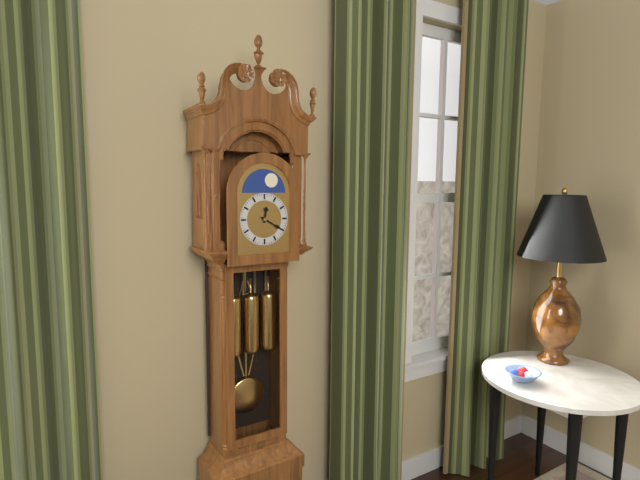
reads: 12,20
